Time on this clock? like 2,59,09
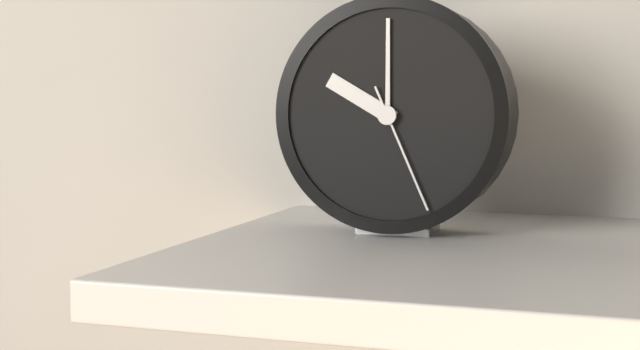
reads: 10,00,26
